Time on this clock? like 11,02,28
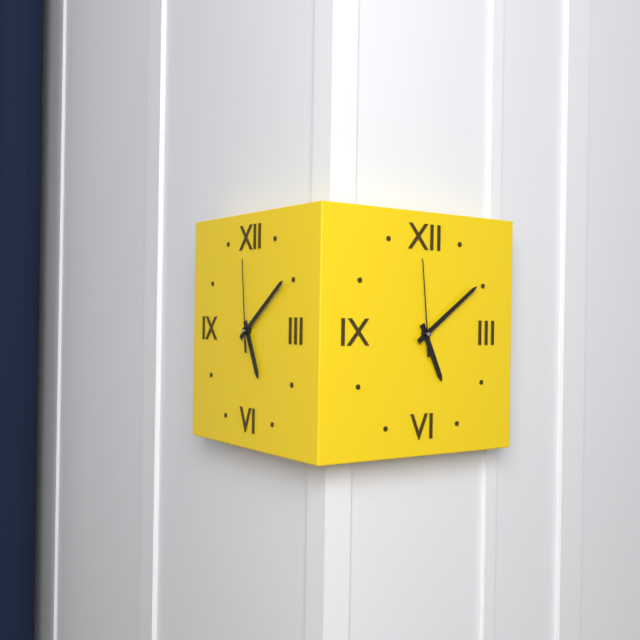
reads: 5,09,59
